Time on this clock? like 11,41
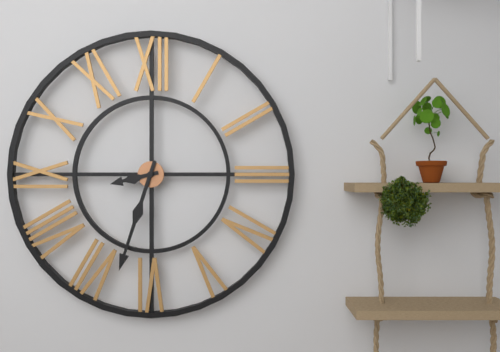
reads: 8,33
